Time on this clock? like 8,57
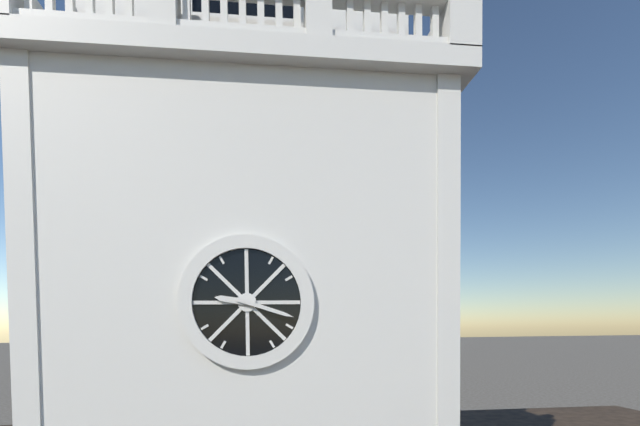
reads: 9,18
